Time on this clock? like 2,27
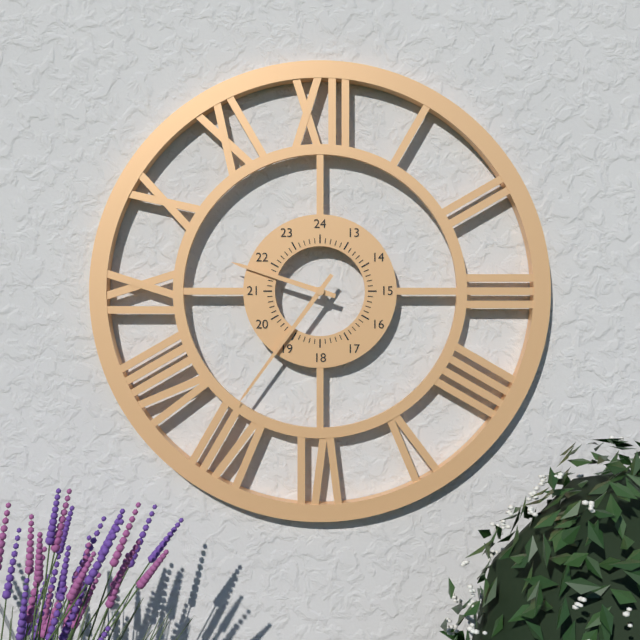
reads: 9,36
